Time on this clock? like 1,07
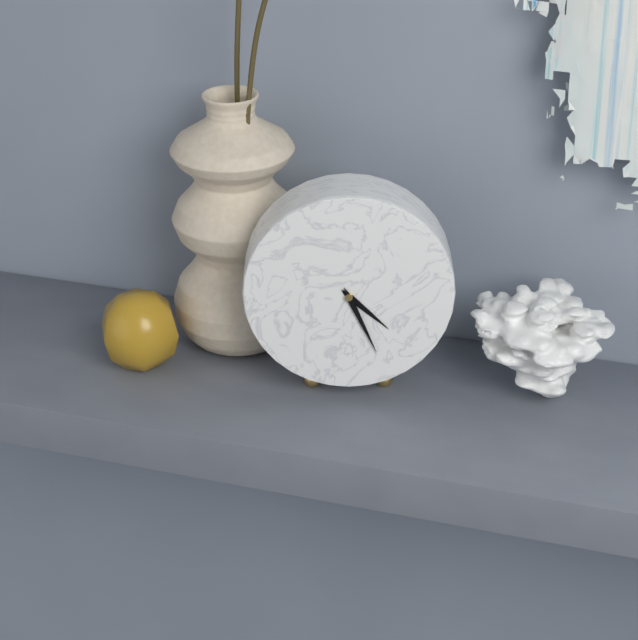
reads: 4,26
